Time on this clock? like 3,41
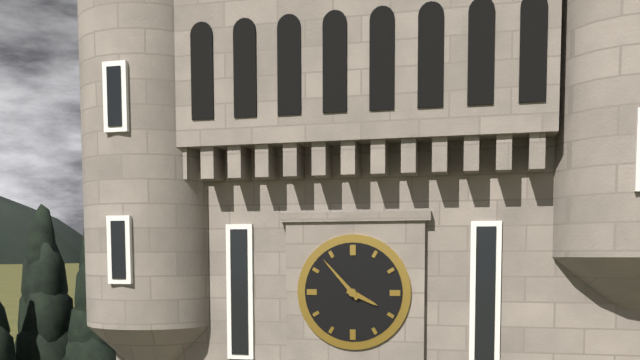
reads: 3,53
